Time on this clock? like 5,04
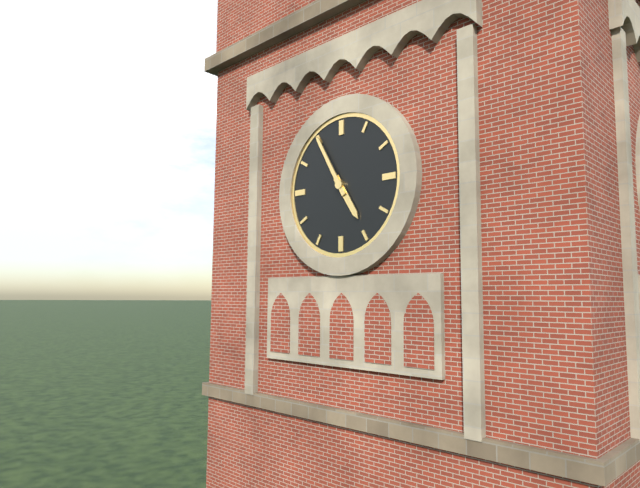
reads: 4,55
